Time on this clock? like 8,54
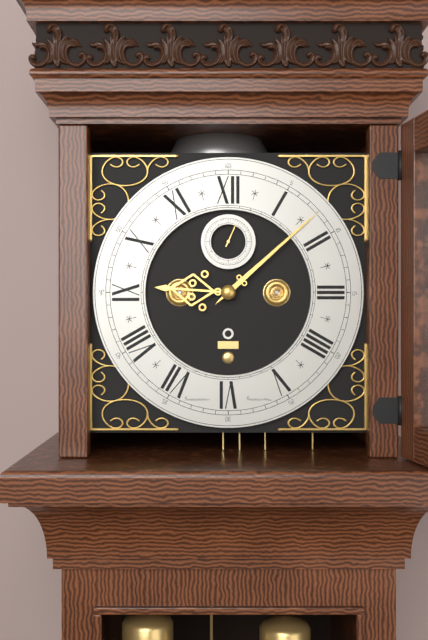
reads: 9,08
